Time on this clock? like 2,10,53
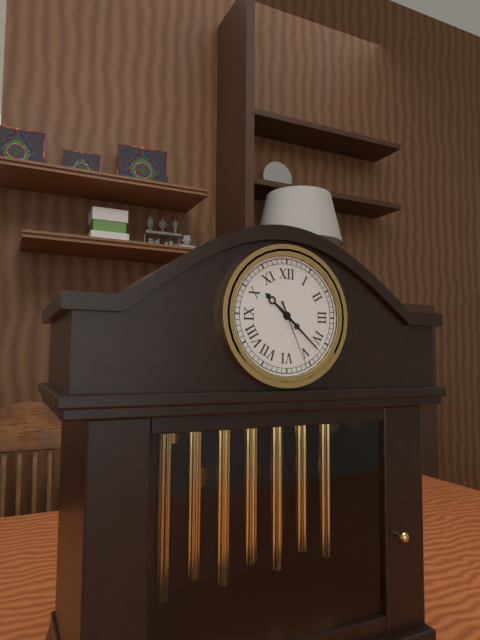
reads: 10,22,26
